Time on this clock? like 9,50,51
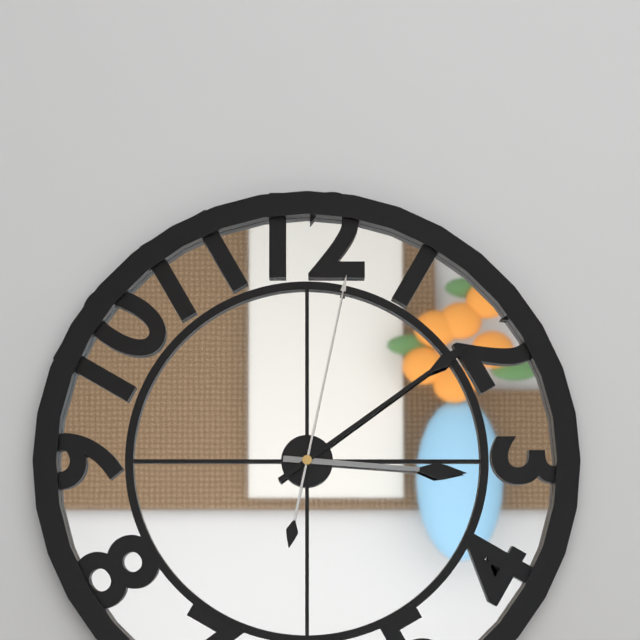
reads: 3,09,02
